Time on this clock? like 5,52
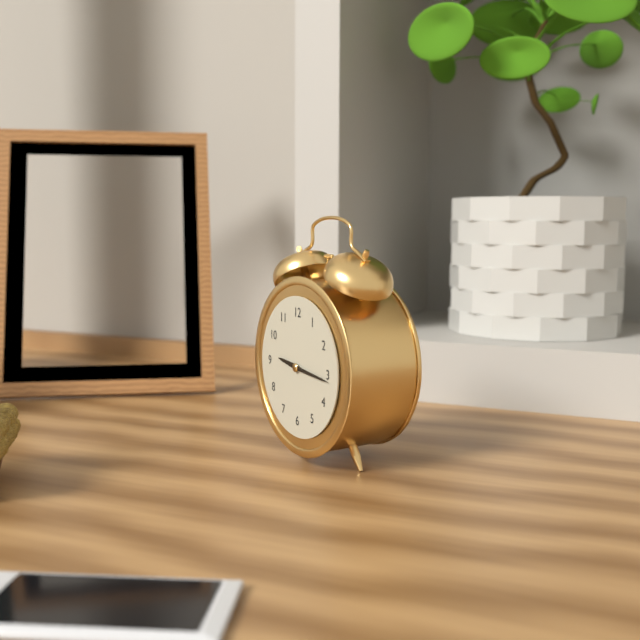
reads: 9,16
